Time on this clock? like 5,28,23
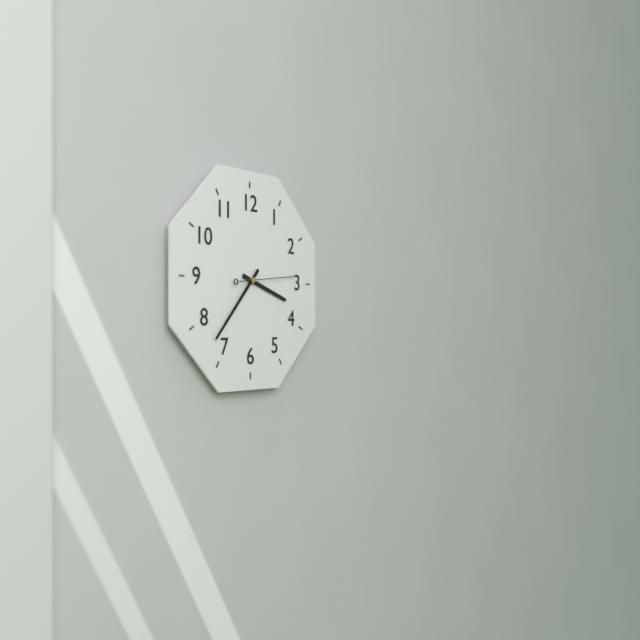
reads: 3,37,14
